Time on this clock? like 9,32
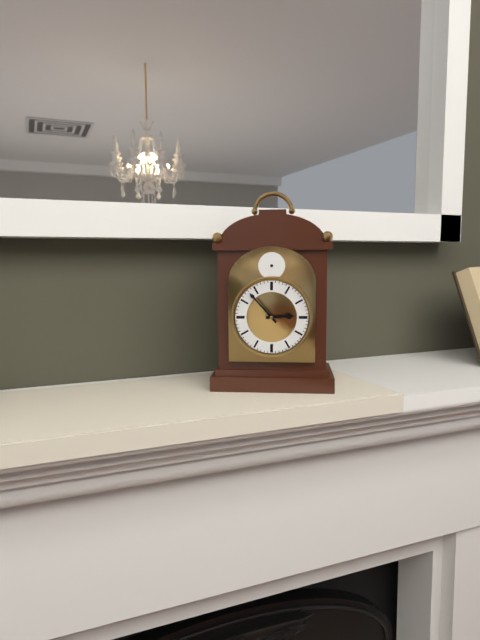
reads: 2,53
